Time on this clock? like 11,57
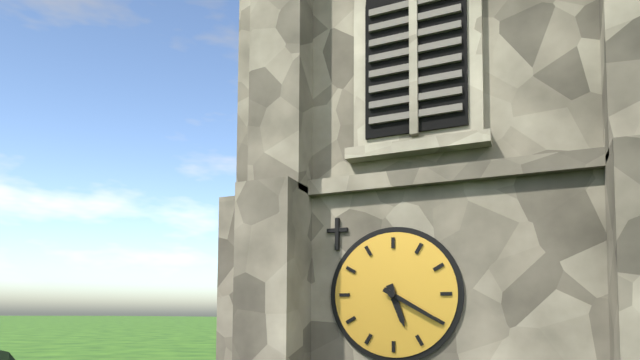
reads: 5,20
